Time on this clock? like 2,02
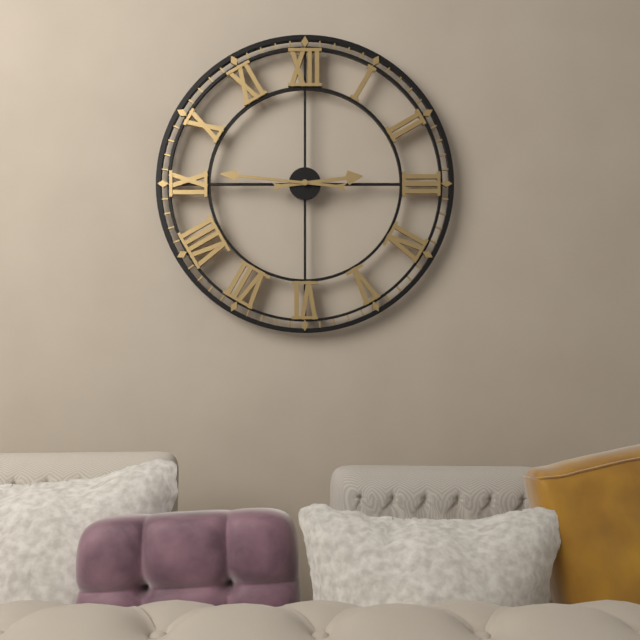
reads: 2,46
